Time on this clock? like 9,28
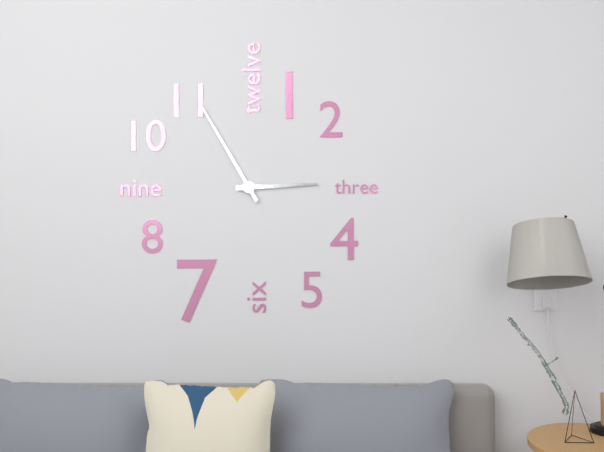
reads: 2,55
